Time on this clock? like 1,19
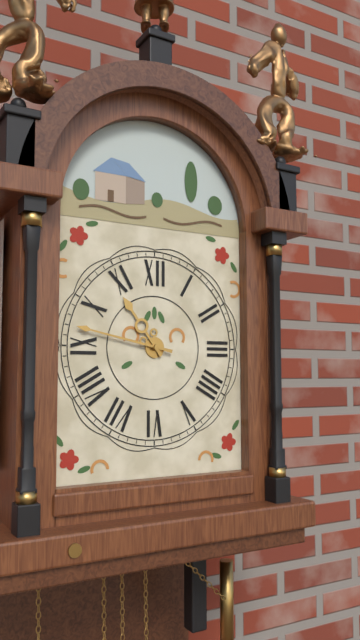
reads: 10,47
